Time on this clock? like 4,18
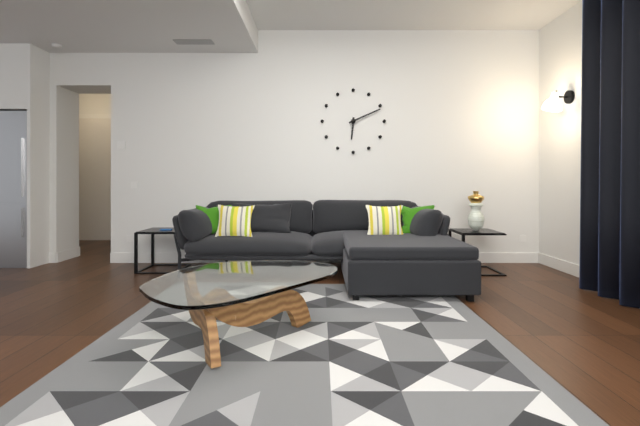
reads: 6,11
